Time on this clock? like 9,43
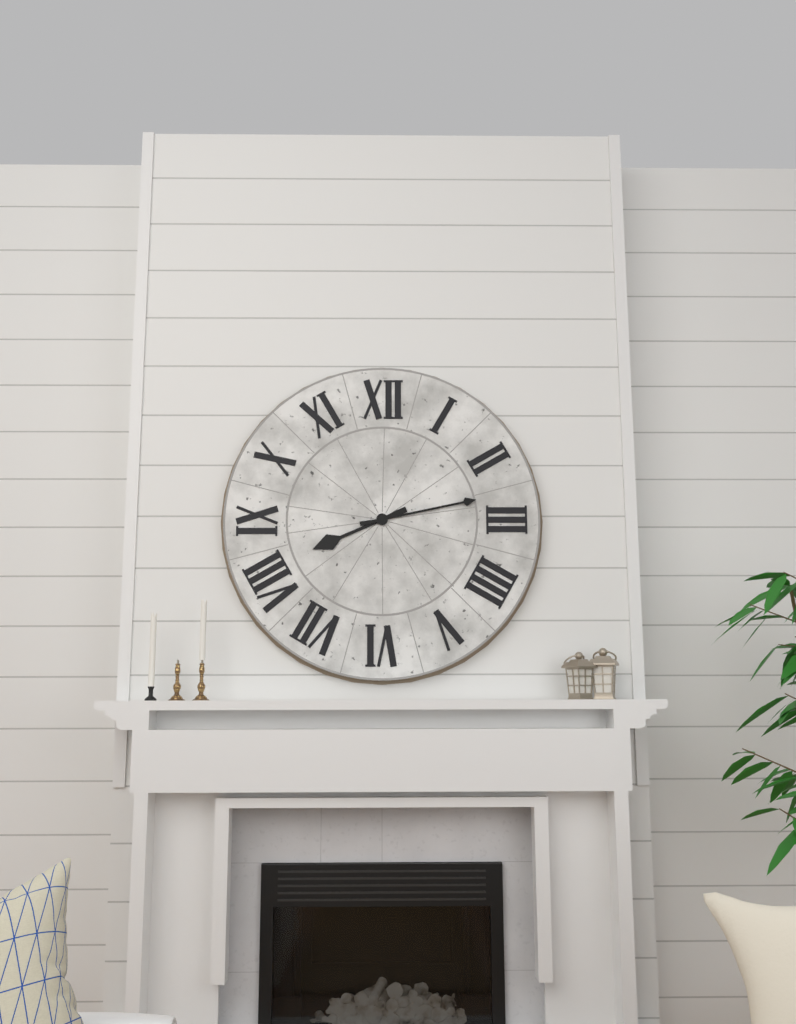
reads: 8,13
